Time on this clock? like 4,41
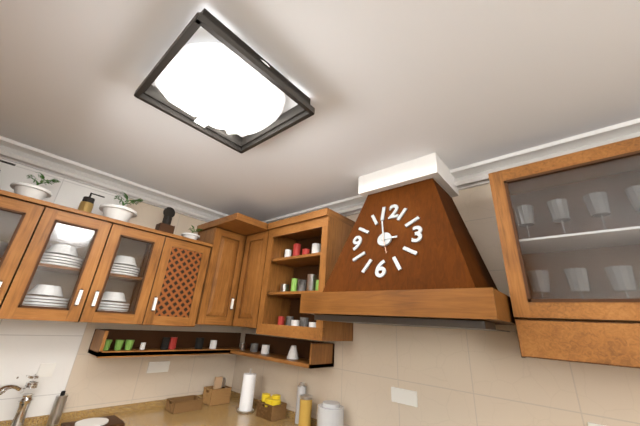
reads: 2,58
